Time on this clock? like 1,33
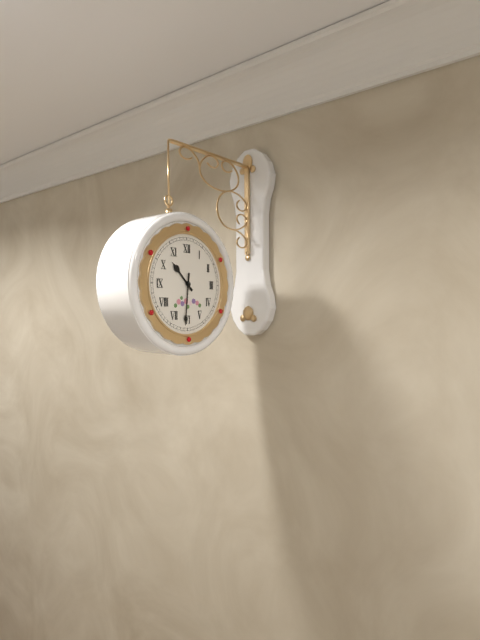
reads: 10,31
